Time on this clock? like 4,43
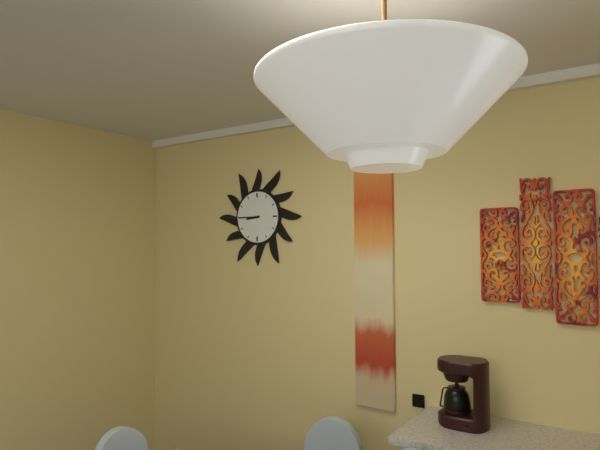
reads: 8,45
